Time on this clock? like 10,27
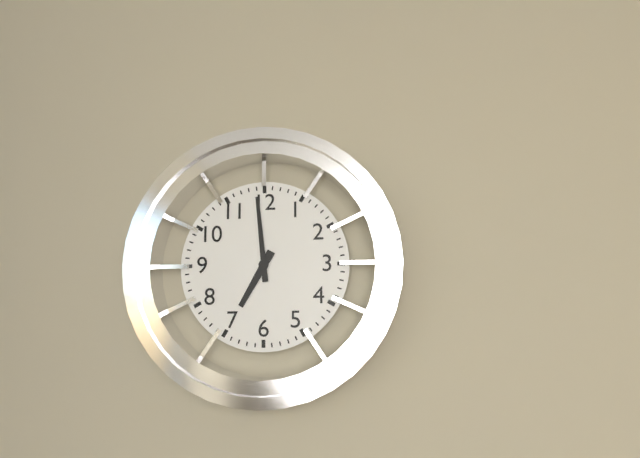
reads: 6,59
